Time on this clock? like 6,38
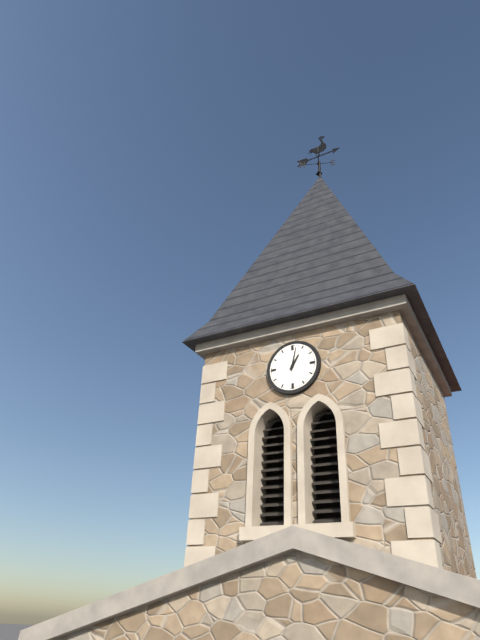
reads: 1,02
